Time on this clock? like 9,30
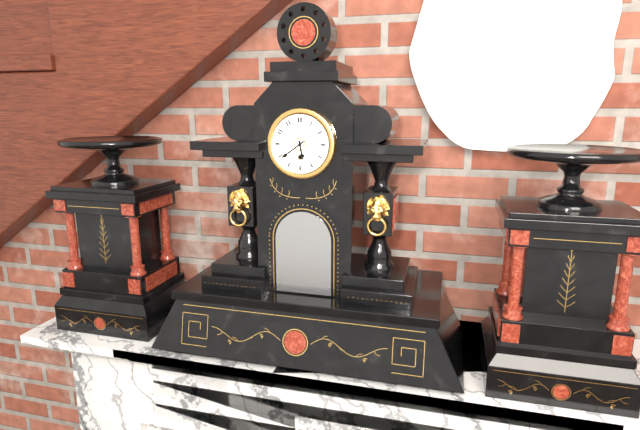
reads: 5,39
